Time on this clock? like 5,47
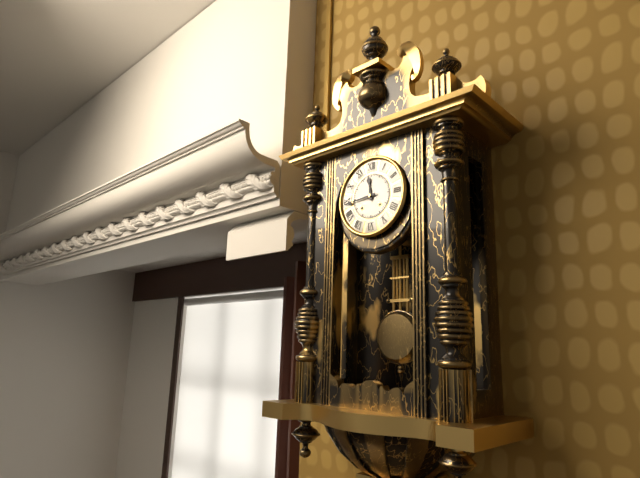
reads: 11,44
